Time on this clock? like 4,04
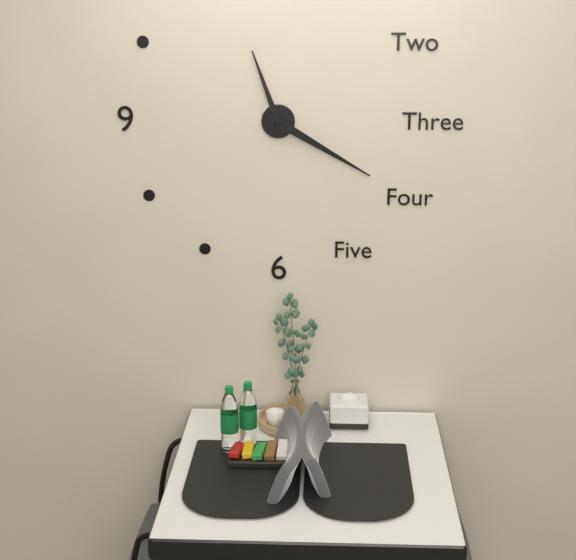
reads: 11,20
